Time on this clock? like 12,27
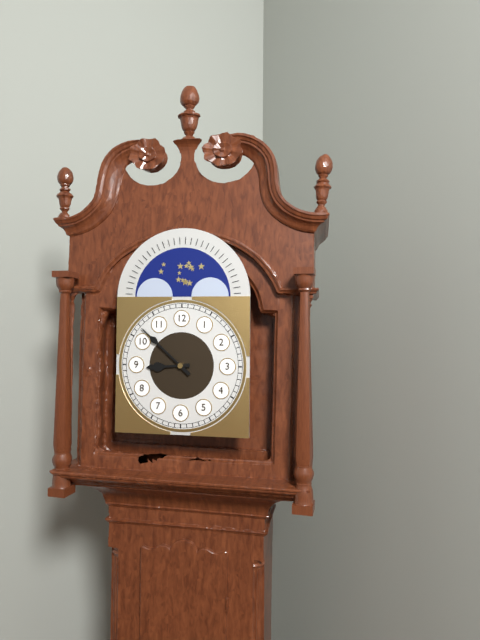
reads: 8,52
